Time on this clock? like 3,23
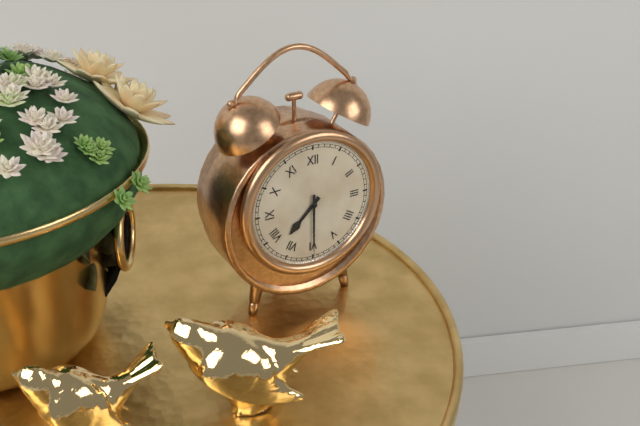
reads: 7,30
